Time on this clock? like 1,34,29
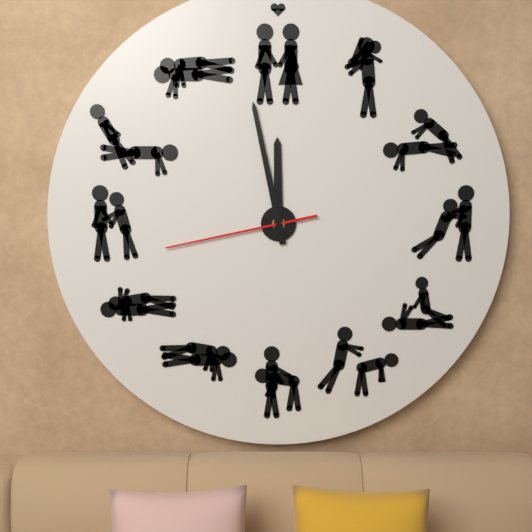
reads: 11,58,43
